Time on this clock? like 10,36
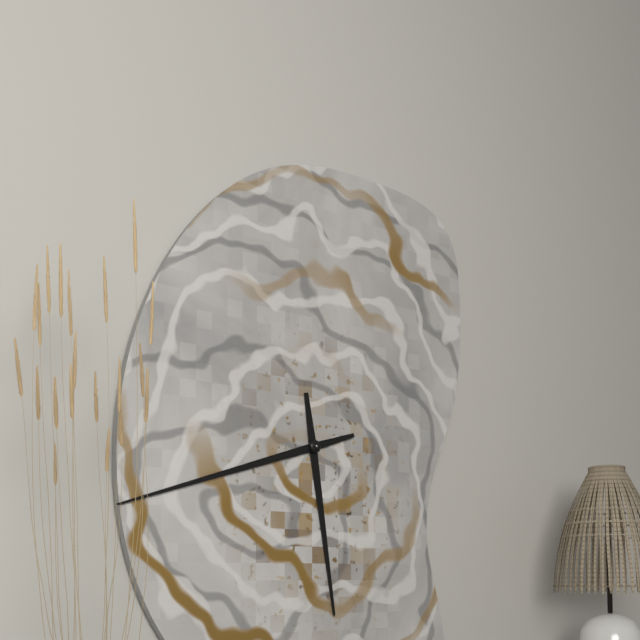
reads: 5,42
